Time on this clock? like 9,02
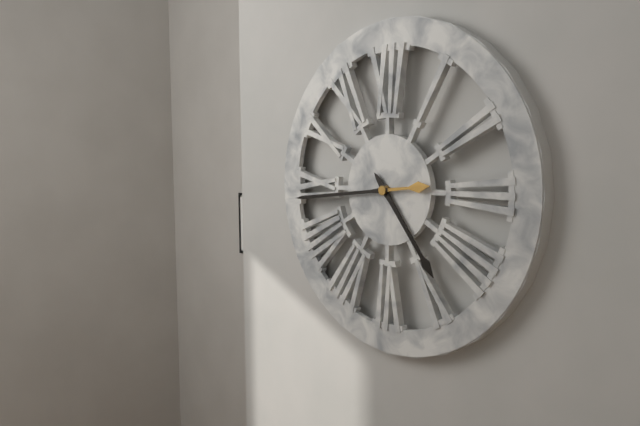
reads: 4,44
